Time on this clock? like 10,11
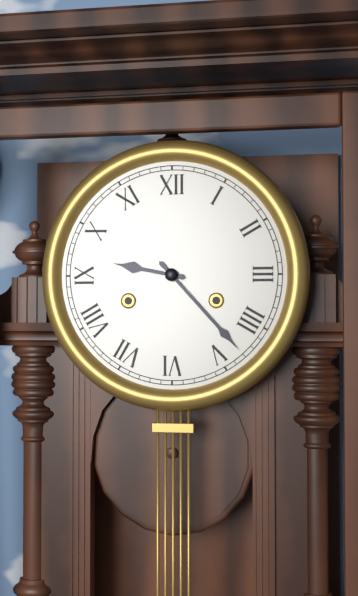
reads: 9,23
